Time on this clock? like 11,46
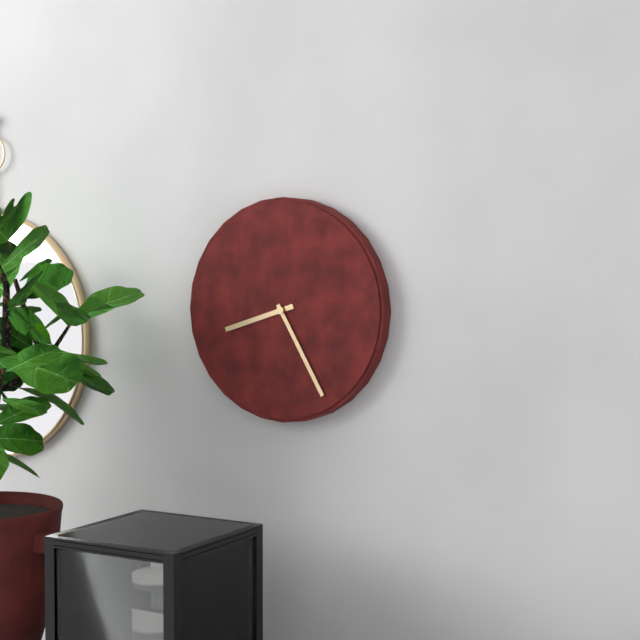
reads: 8,25
